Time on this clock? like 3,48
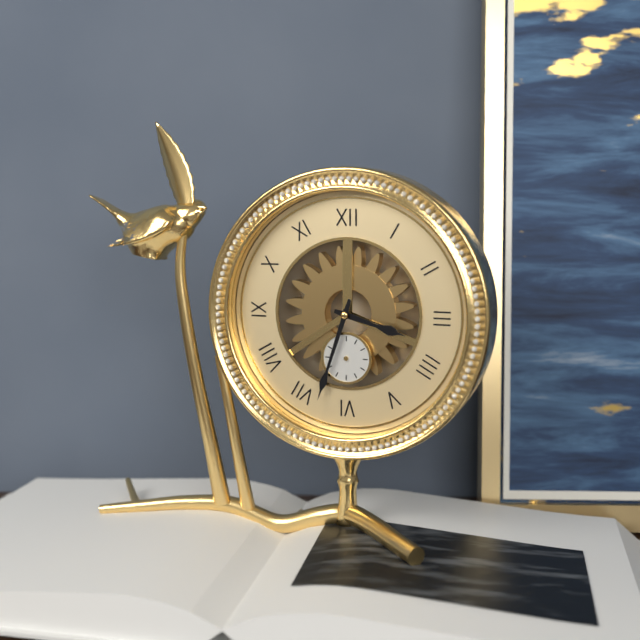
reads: 3,33
